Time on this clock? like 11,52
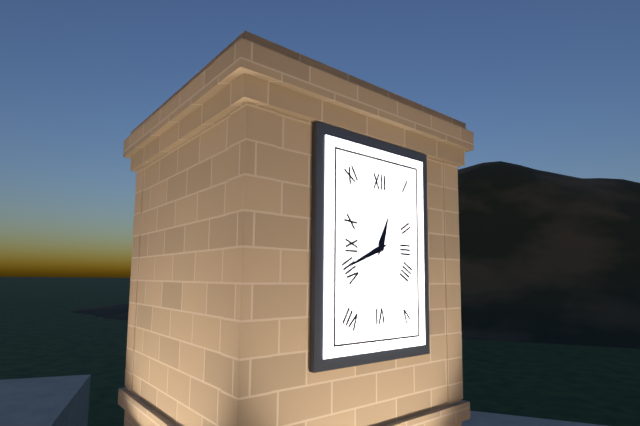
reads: 12,41
